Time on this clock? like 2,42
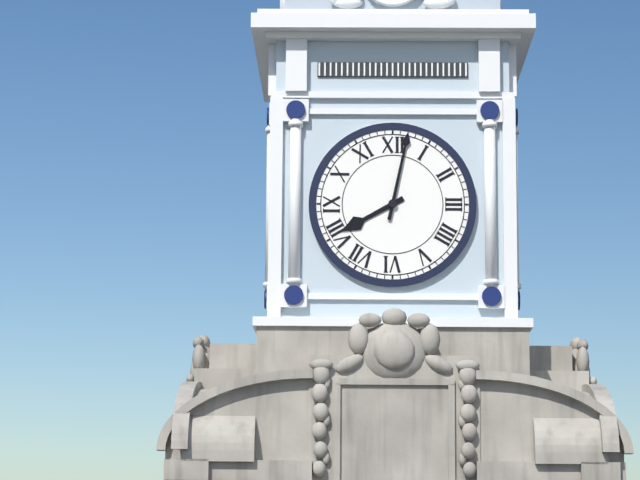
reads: 8,02
